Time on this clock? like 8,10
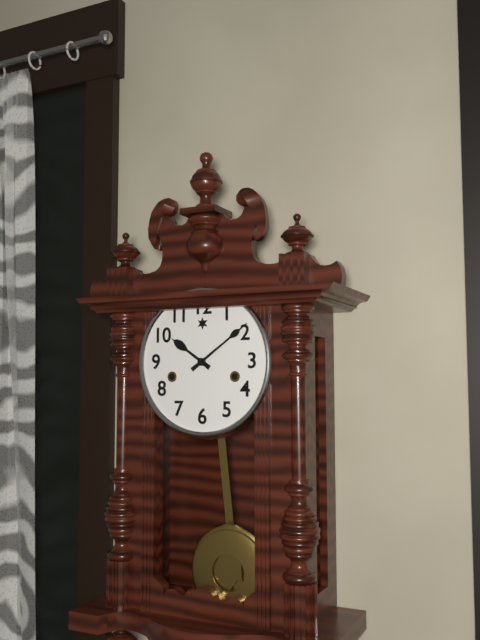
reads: 10,09
